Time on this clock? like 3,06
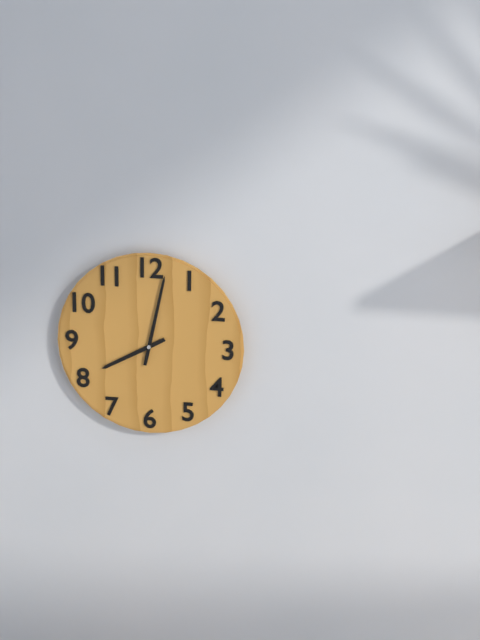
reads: 8,02
